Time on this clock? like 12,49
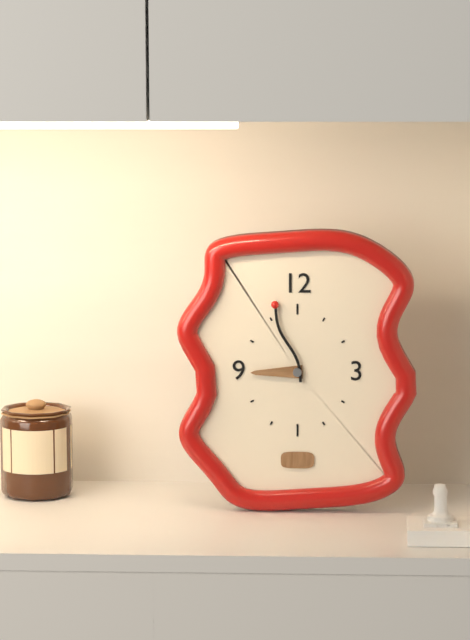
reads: 8,57
